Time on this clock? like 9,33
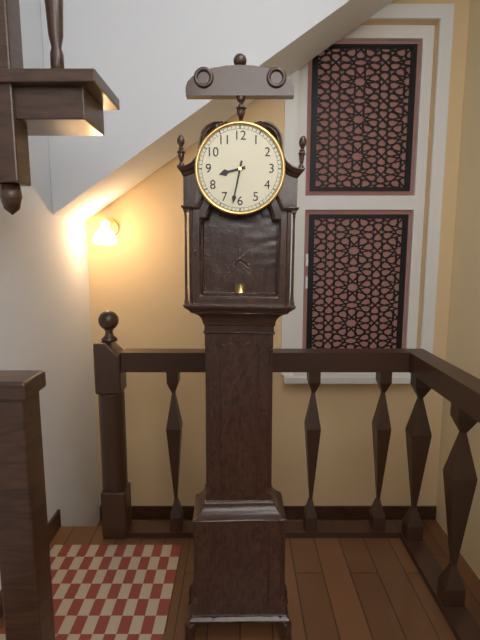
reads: 8,32
